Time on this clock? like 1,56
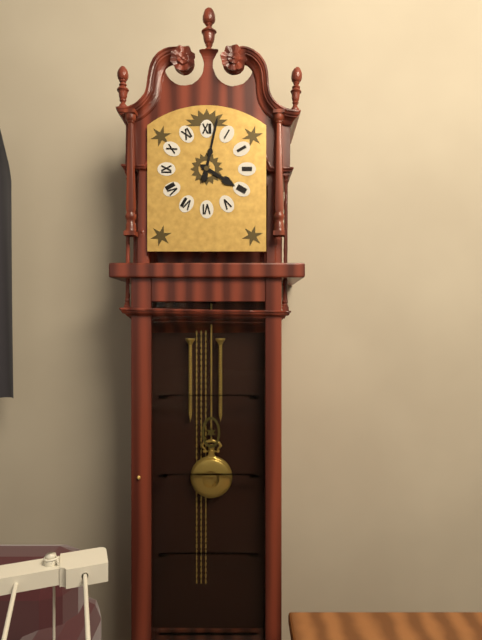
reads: 4,02
